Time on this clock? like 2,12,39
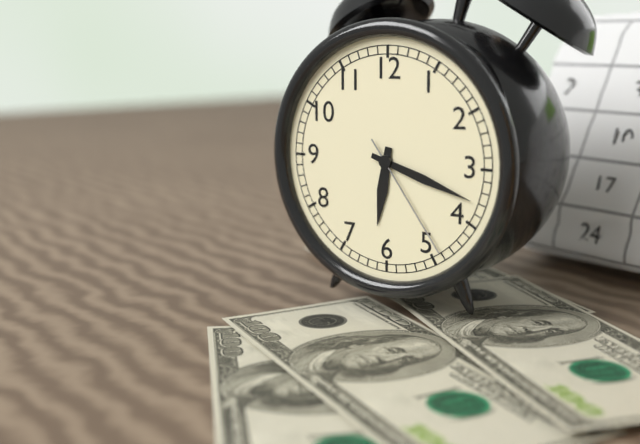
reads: 6,18,24
